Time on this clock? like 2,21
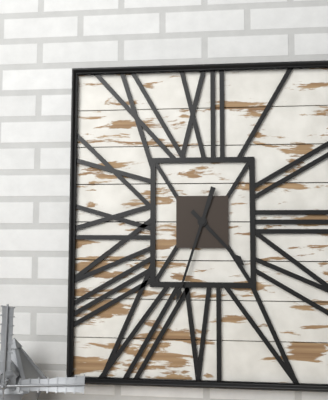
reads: 4,33
